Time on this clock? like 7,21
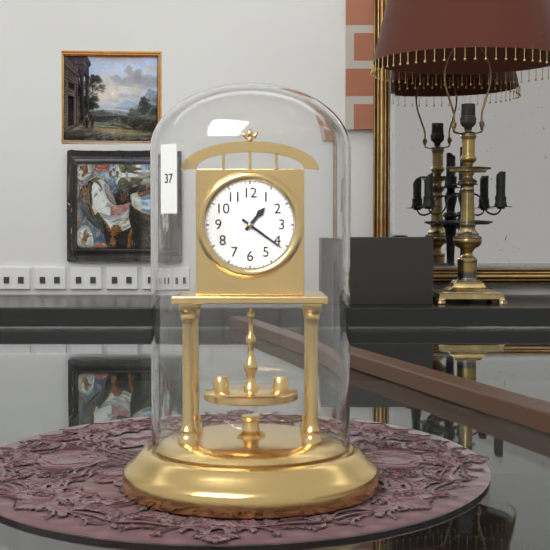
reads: 1,21
